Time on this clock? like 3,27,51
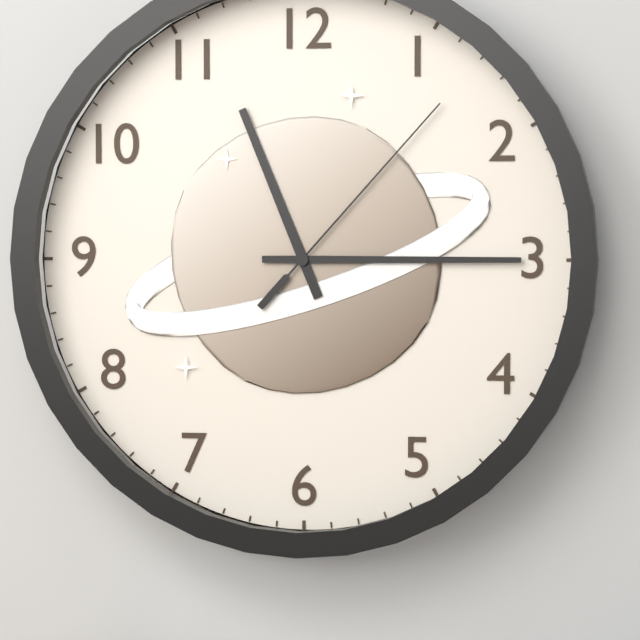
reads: 11,15,07
